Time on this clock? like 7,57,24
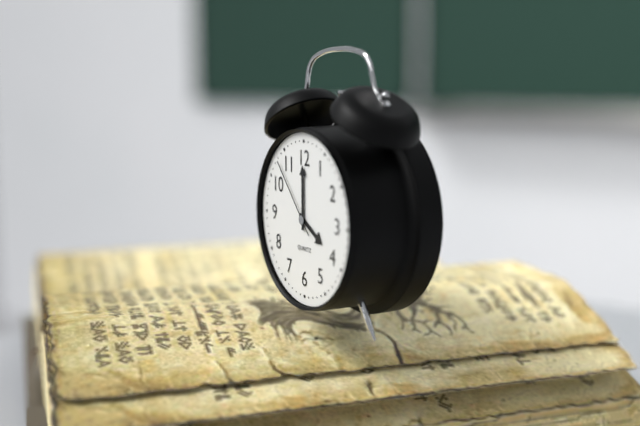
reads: 4,00,53
